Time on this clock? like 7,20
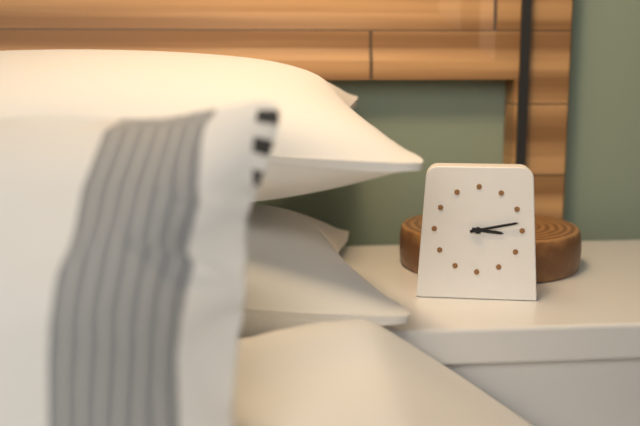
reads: 3,13
